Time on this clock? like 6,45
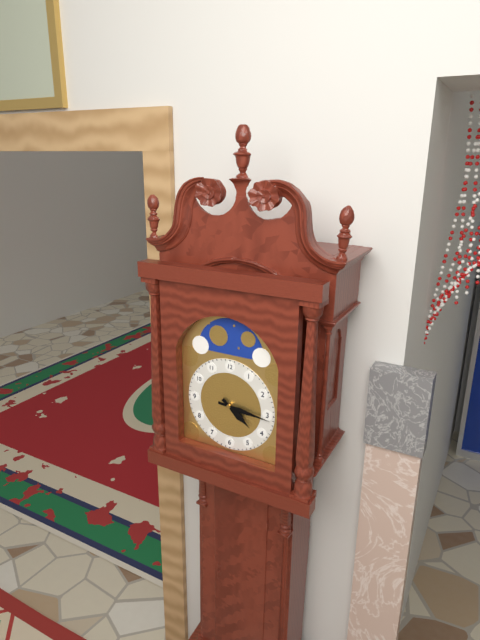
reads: 4,16
